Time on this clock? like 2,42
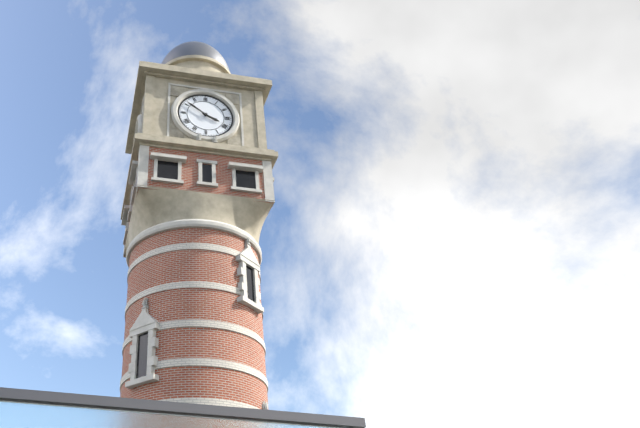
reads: 3,51
